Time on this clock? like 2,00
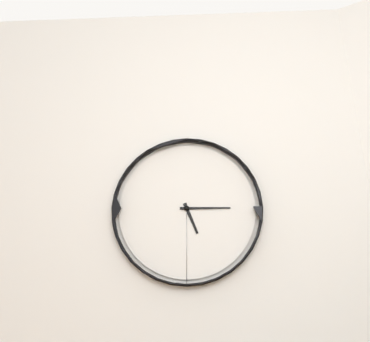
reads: 5,15
